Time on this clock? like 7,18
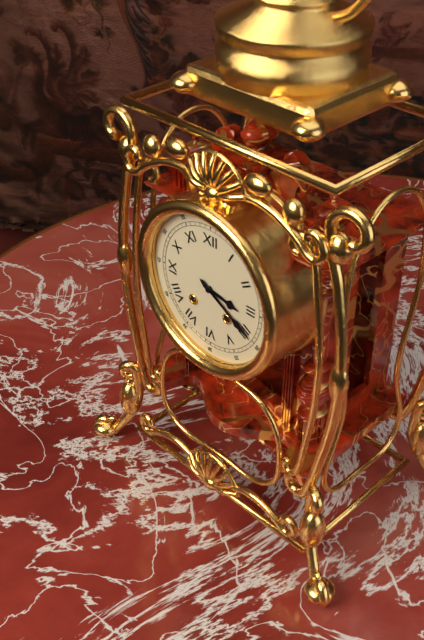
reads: 3,20
